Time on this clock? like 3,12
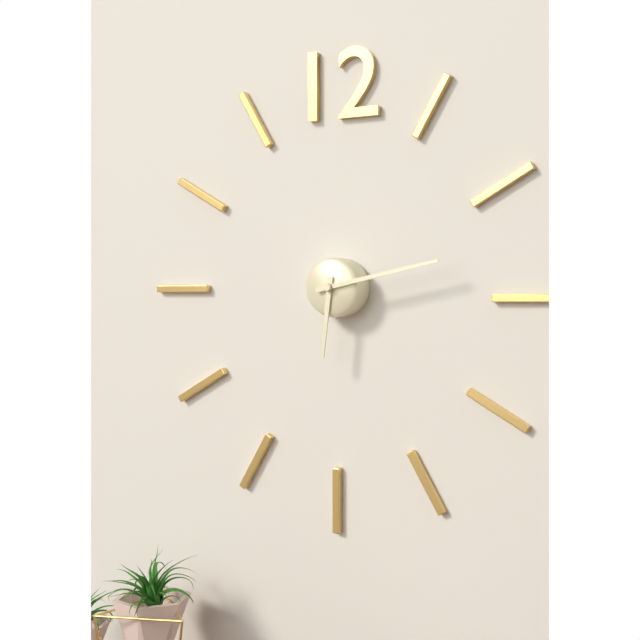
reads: 6,13
